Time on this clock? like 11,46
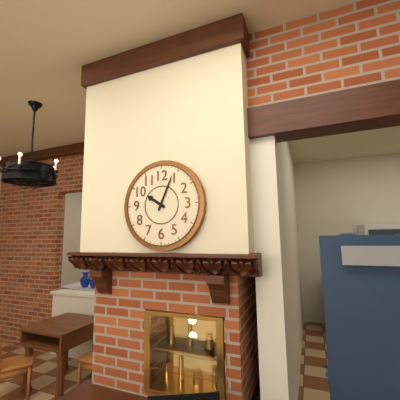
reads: 10,04
